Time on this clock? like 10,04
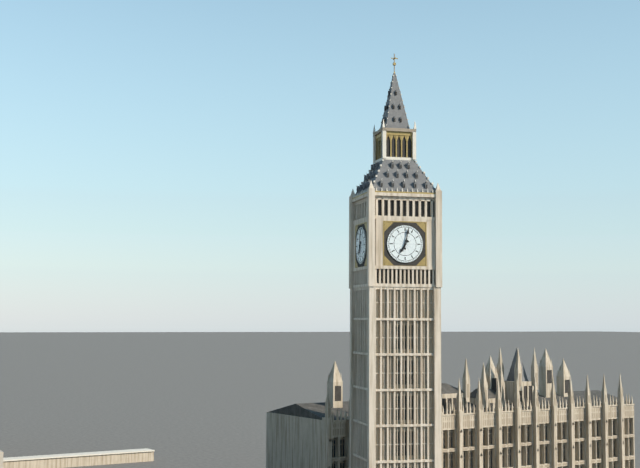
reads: 7,02
